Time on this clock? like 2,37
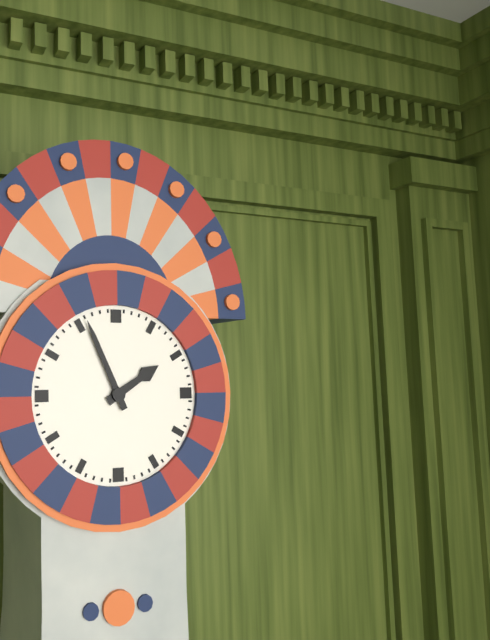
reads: 1,56
